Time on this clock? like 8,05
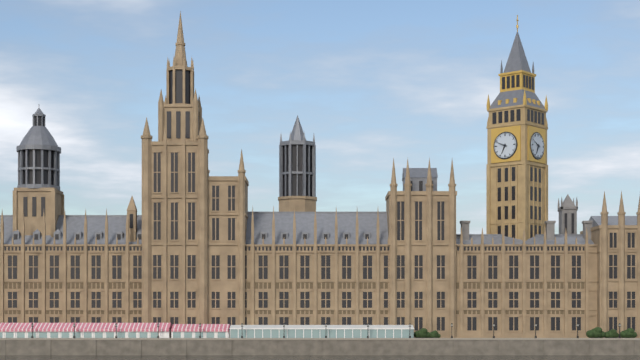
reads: 6,49
